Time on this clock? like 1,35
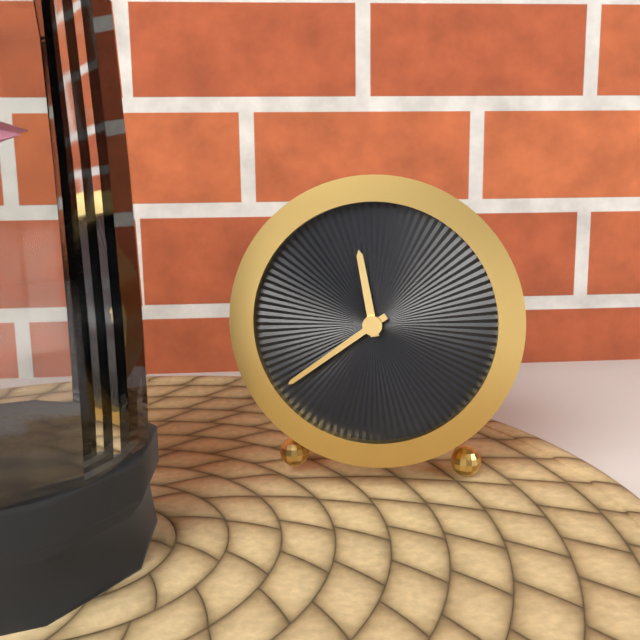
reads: 11,39
